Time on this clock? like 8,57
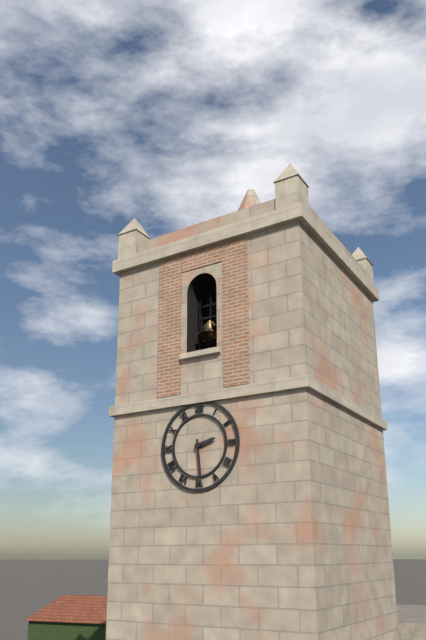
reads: 2,29
